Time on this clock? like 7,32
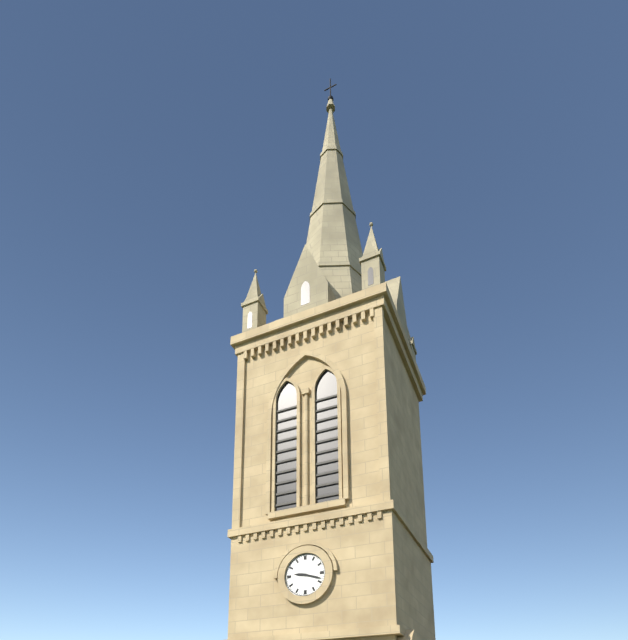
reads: 9,18
